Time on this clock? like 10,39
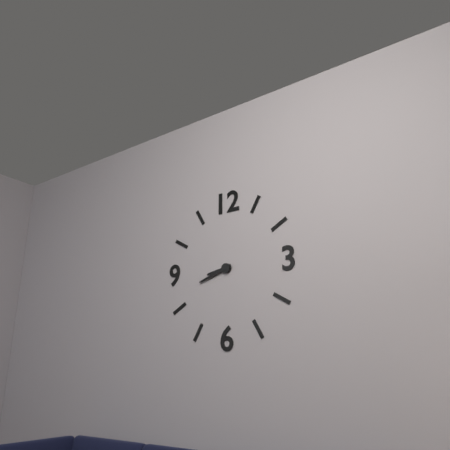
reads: 8,42
